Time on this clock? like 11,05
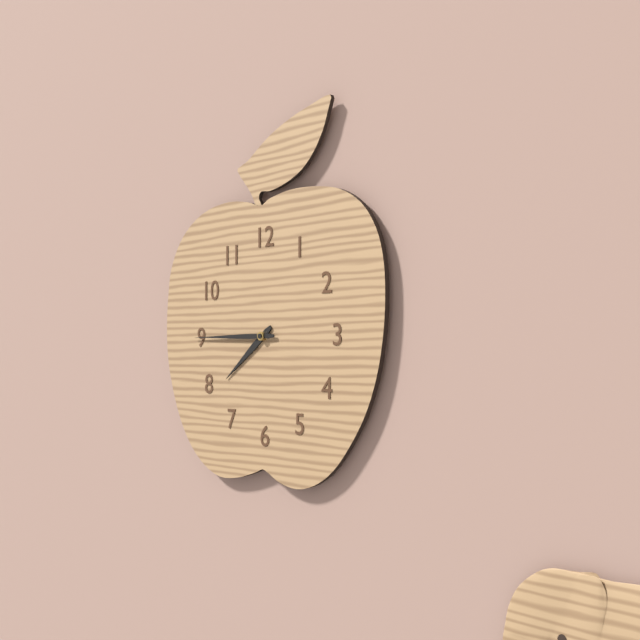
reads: 7,45
